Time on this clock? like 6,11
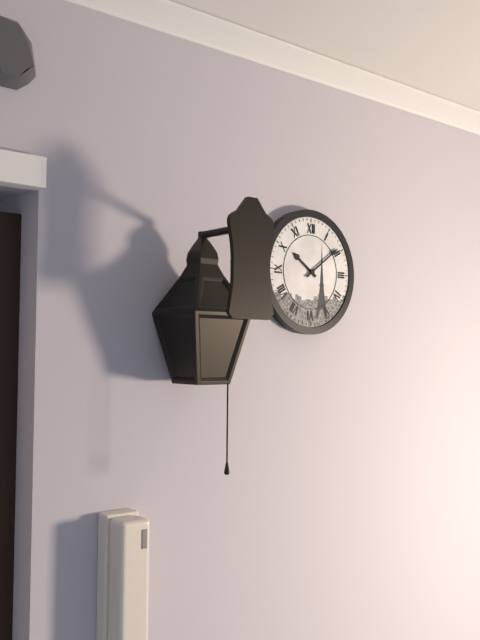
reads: 10,09
